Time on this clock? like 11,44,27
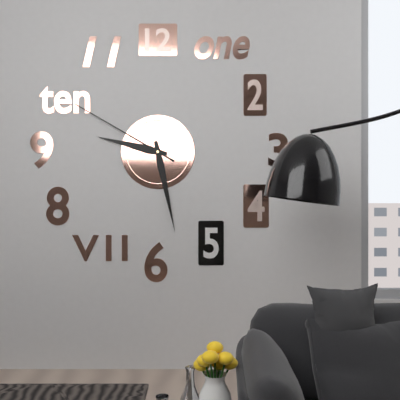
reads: 9,28,50
